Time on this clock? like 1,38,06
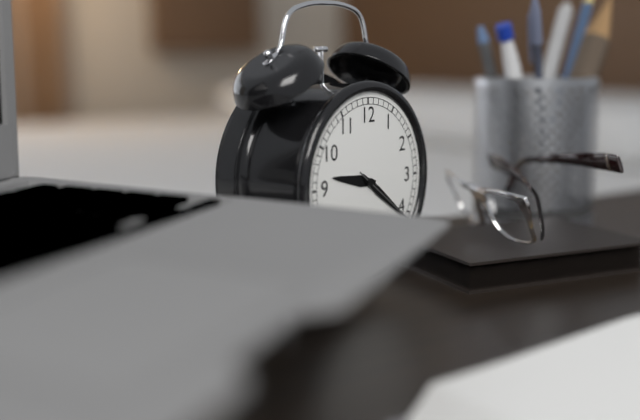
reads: 9,21,21
